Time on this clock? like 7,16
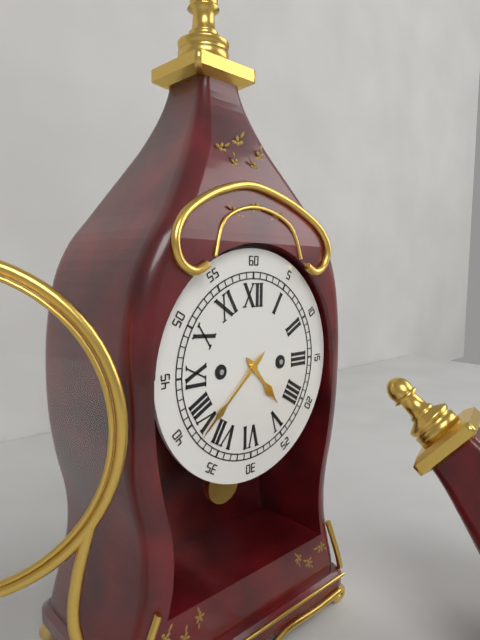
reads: 4,38
